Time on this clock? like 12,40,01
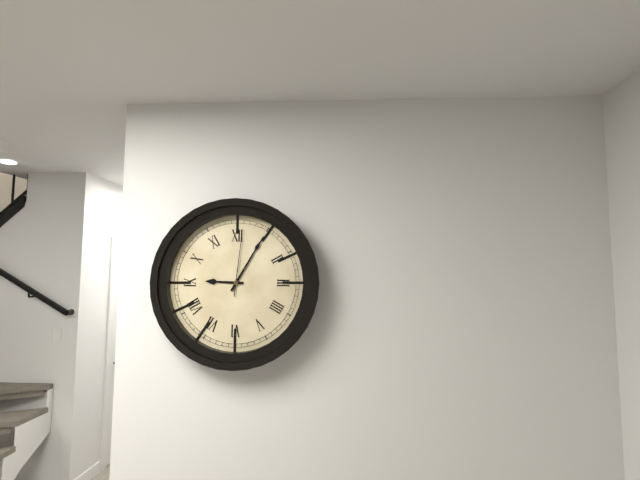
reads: 9,05,01
